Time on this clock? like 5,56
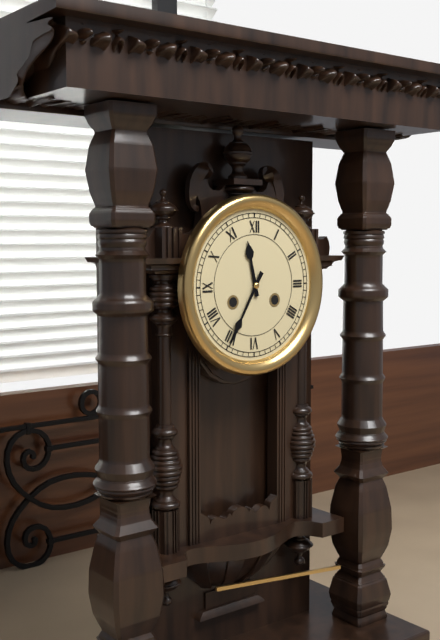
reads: 11,35
